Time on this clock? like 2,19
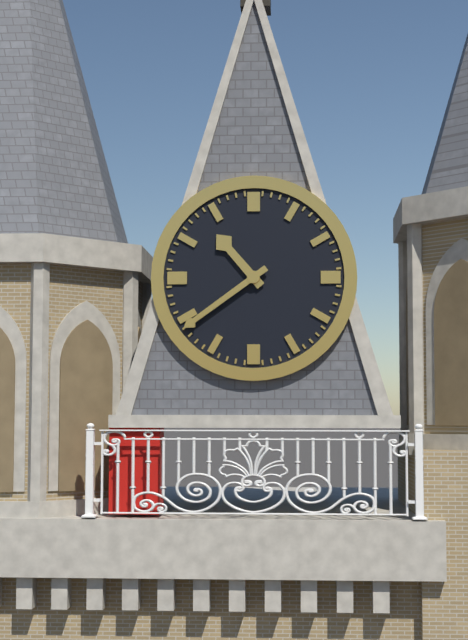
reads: 10,39
